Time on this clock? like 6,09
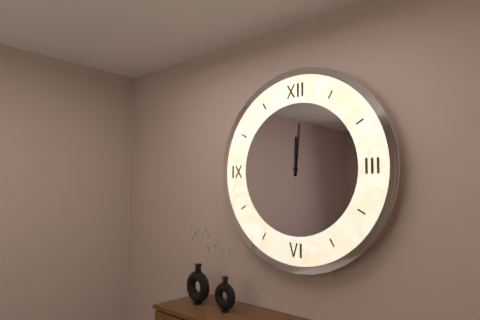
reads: 12,01
